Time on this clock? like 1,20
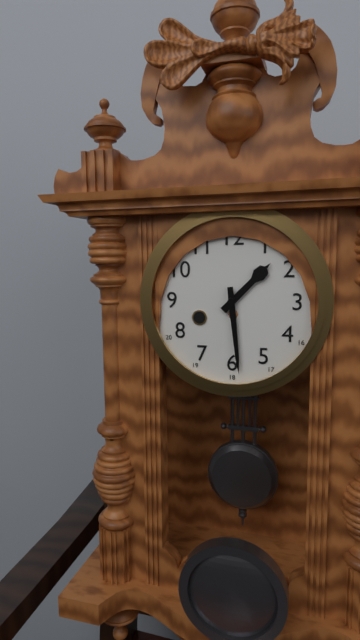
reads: 1,29
